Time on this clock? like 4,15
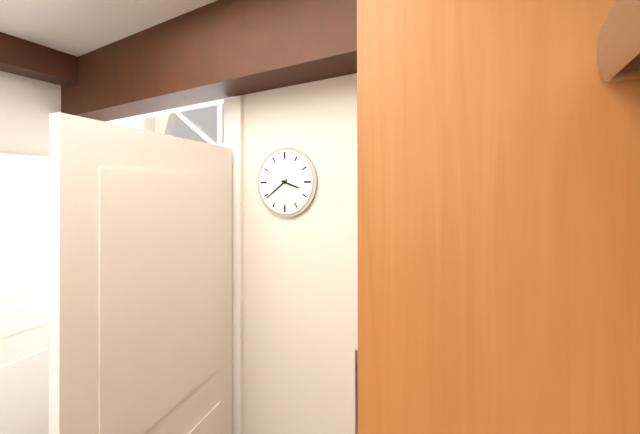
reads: 3,39
